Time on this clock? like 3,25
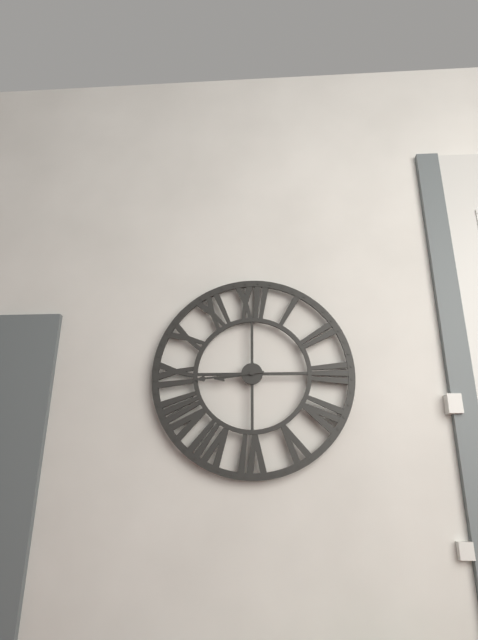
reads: 8,44
